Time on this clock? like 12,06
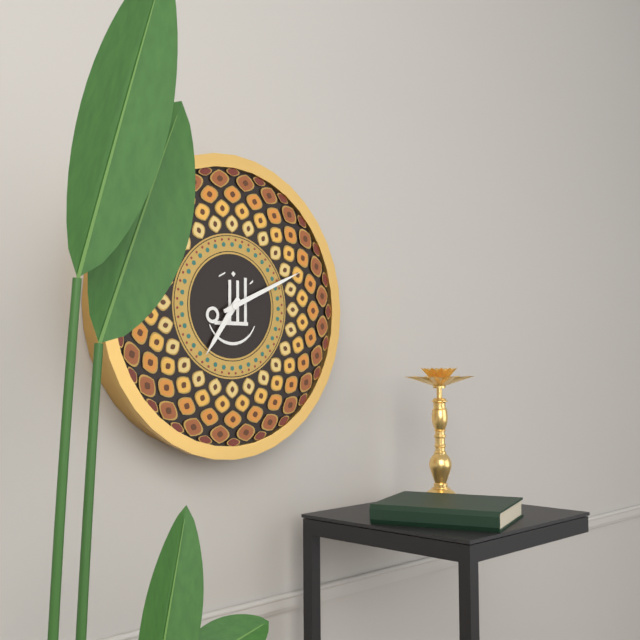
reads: 7,11
